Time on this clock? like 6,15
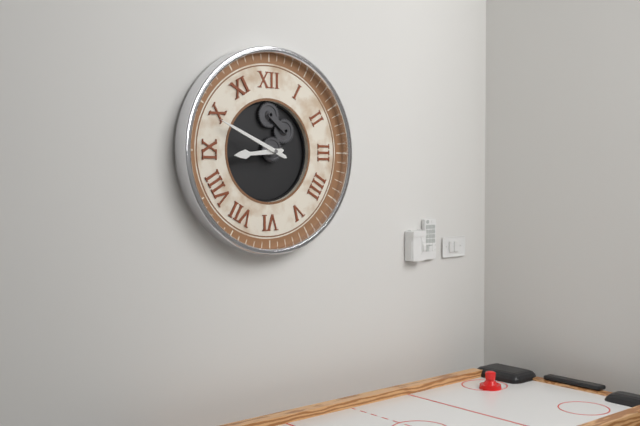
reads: 8,49
